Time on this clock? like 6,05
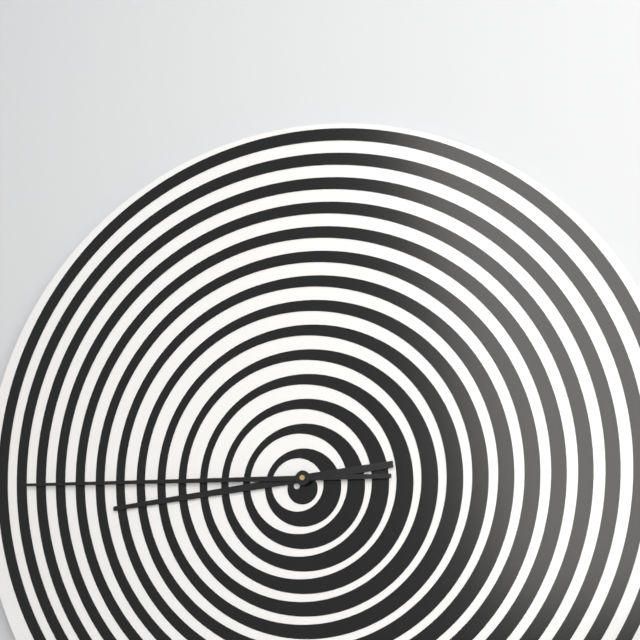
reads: 8,45
